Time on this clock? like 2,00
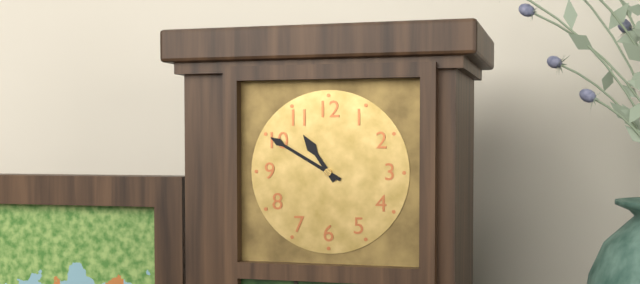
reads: 10,50
